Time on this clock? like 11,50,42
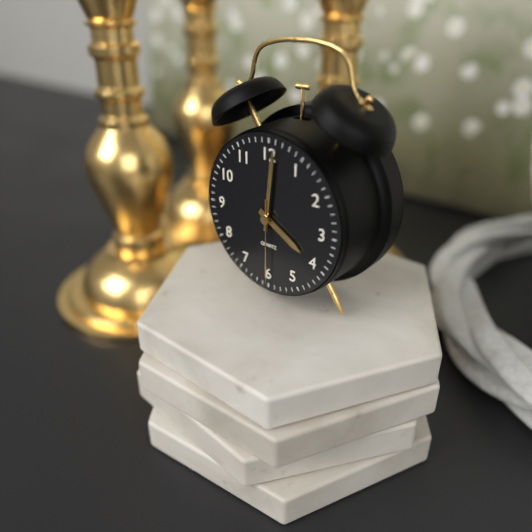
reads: 4,01,30
